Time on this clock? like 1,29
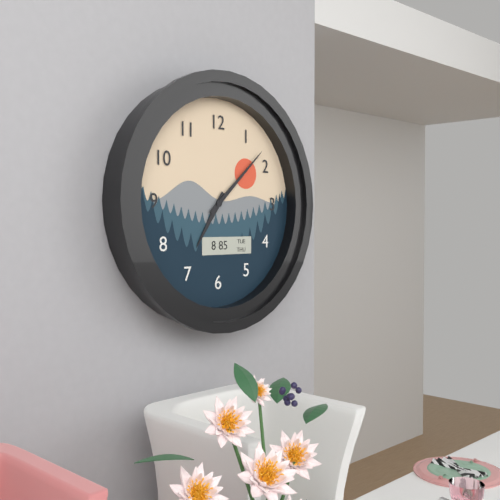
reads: 7,08
